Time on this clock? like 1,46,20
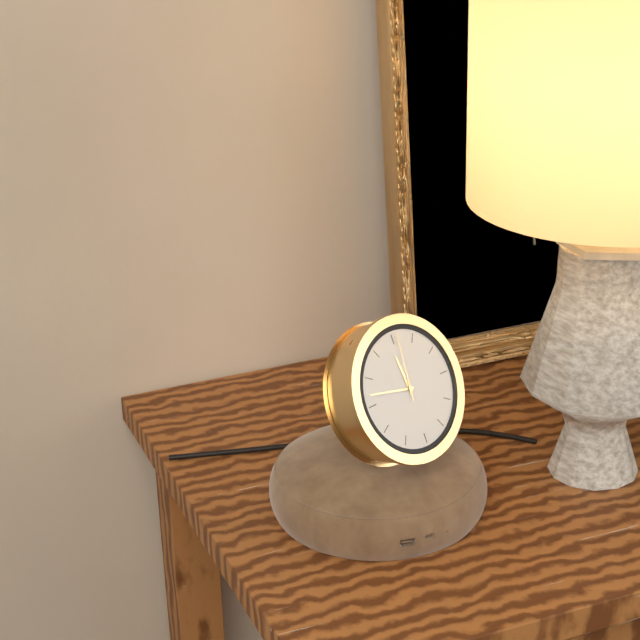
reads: 11,47,01
